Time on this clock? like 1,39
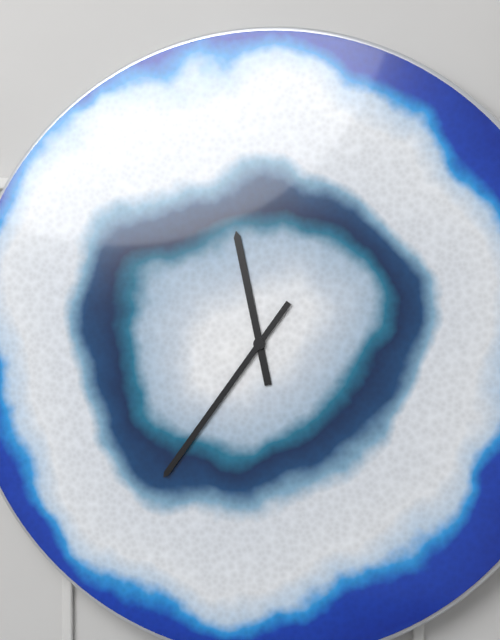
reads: 11,36
